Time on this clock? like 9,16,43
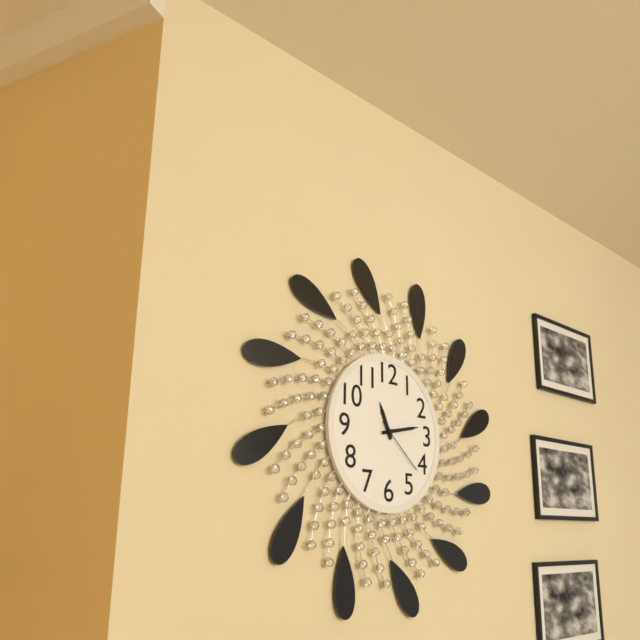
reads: 11,13,22
